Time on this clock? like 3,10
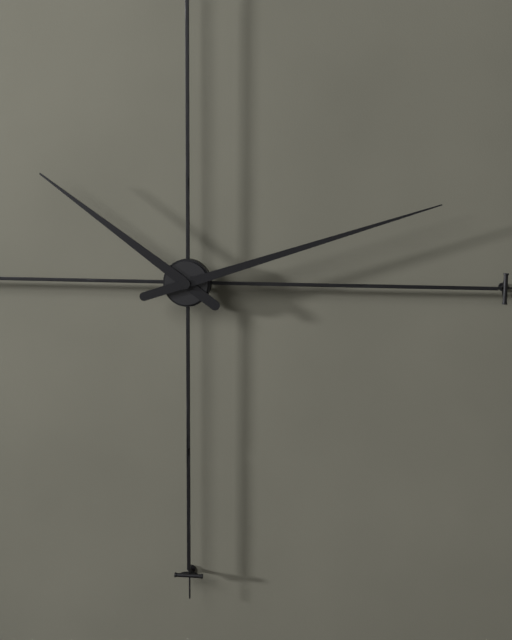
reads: 10,12
